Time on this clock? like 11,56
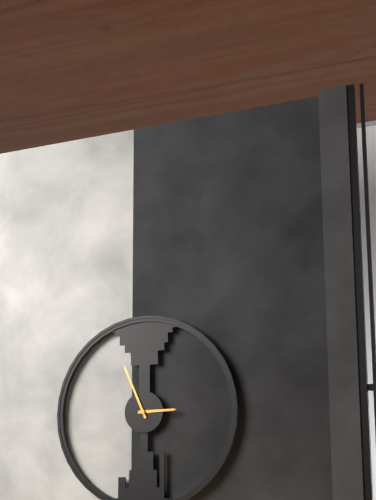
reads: 2,56
